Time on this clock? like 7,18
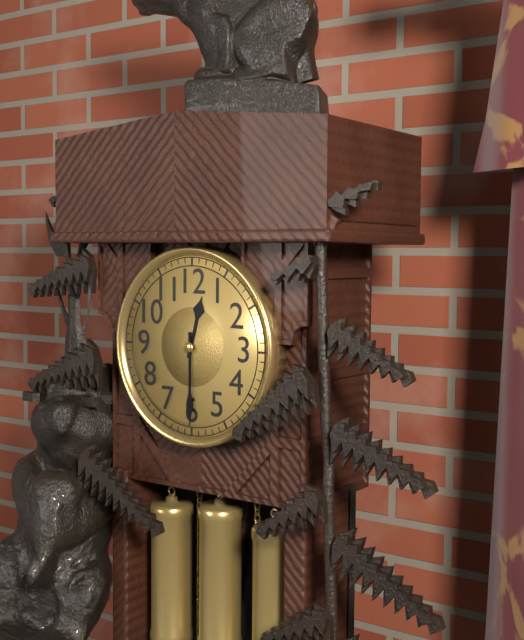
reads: 12,30
